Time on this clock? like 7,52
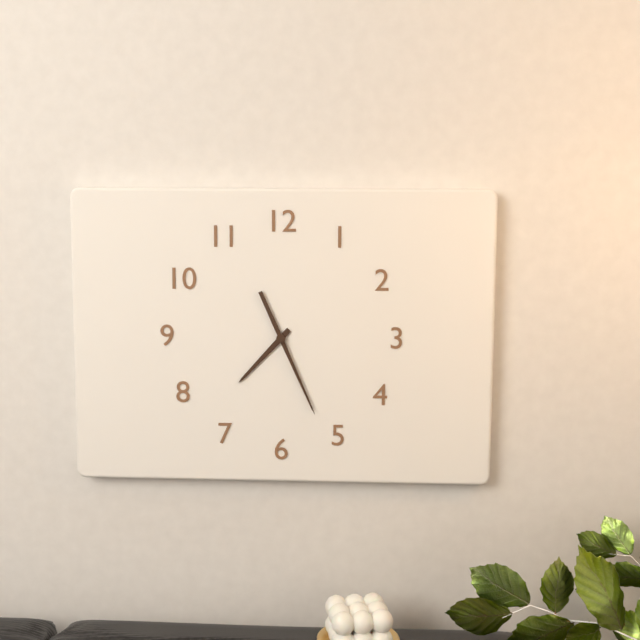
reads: 7,26
